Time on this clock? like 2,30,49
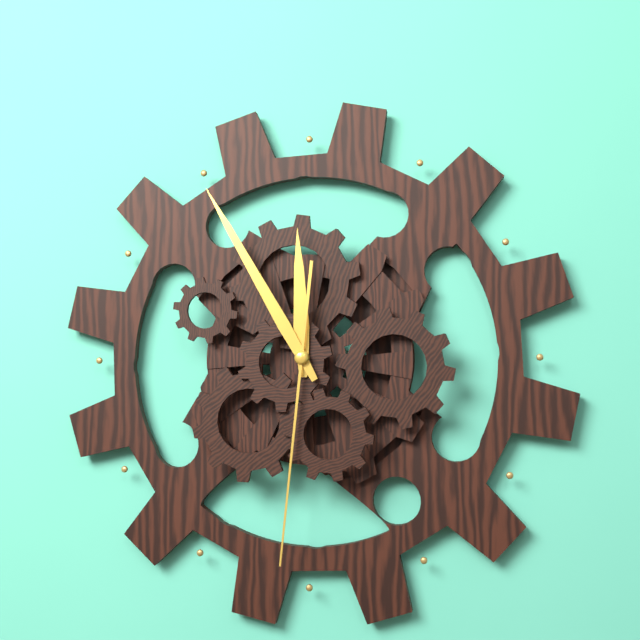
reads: 11,55,31
